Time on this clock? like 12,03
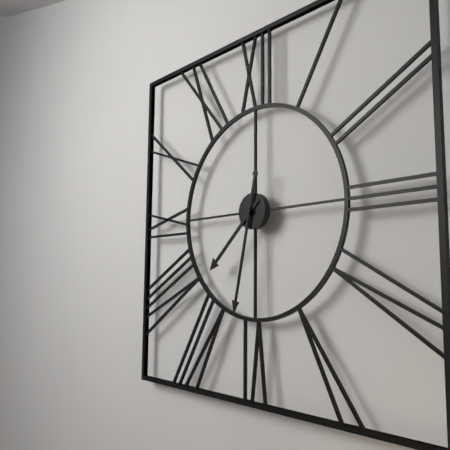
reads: 7,32
